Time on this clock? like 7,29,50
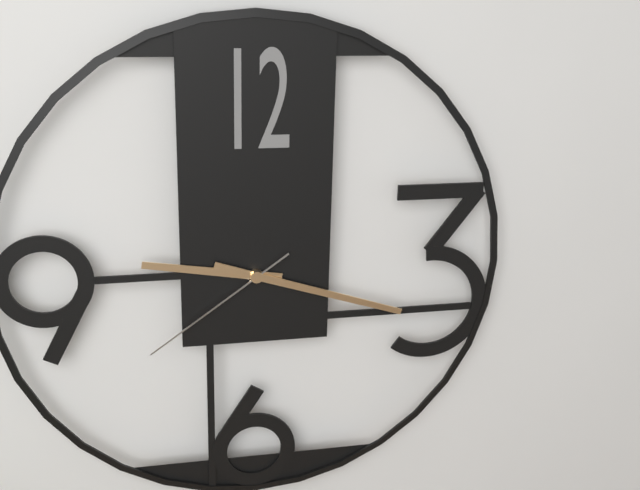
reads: 9,18,39
